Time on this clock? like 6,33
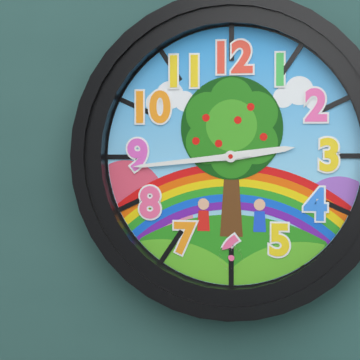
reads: 2,44
